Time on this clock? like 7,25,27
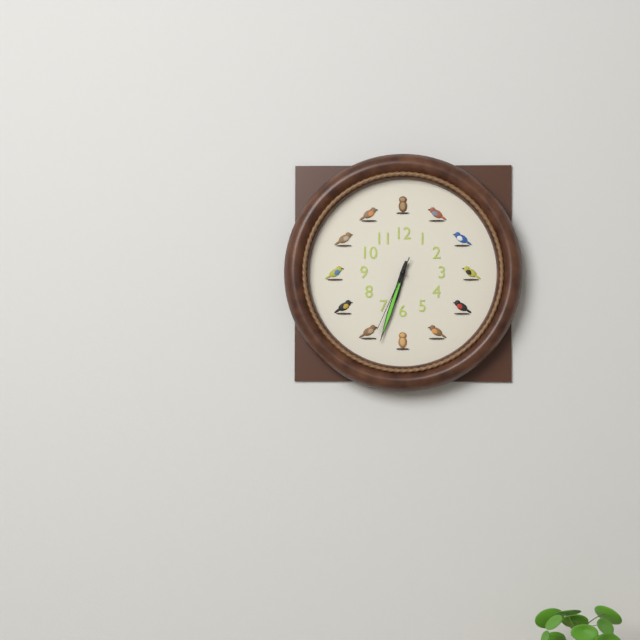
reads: 6,33,34
